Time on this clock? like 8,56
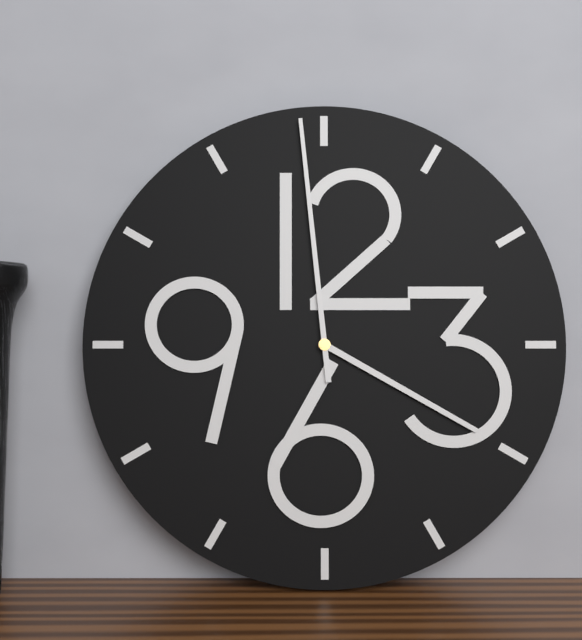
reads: 3,59
